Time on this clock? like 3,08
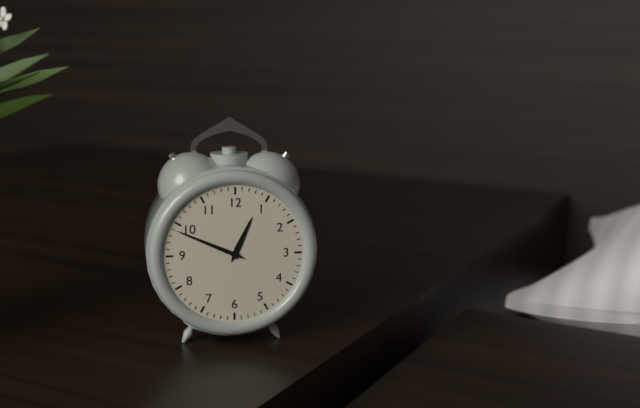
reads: 12,49
